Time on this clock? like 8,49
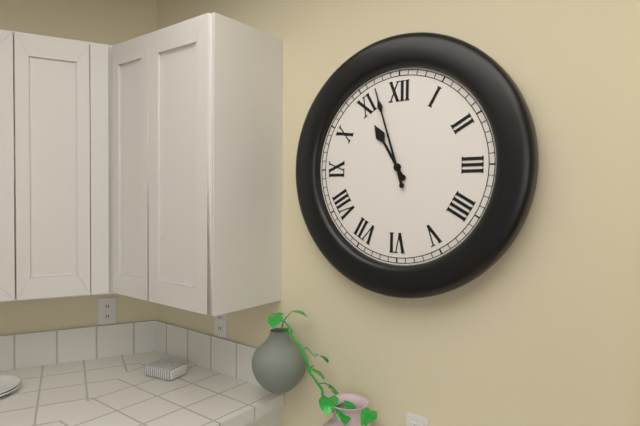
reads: 10,57
